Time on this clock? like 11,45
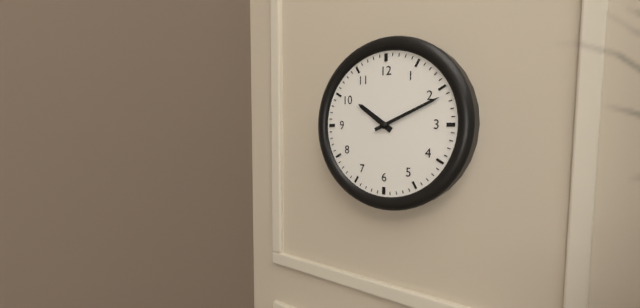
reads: 10,11
